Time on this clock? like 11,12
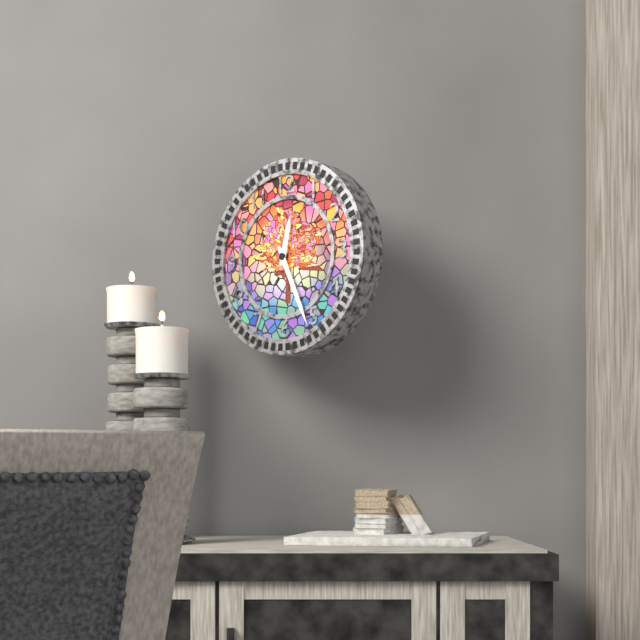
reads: 12,26
